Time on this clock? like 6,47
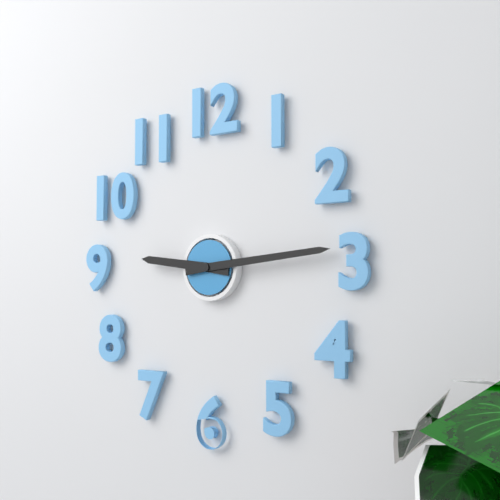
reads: 9,14
